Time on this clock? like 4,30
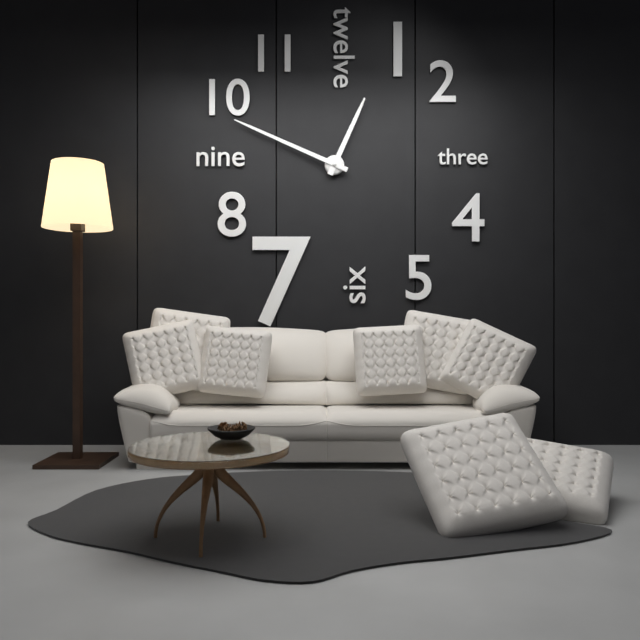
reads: 12,49
